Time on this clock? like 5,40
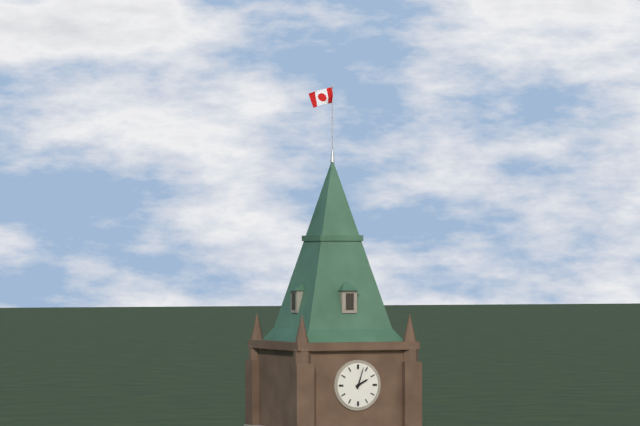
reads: 2,03
